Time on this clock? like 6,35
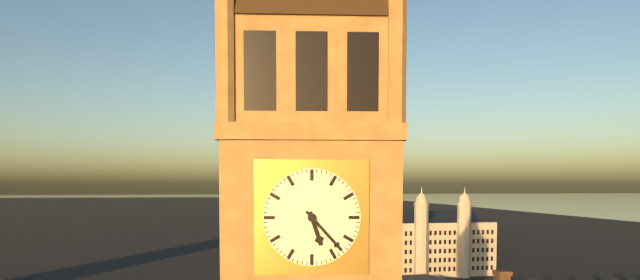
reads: 5,23
